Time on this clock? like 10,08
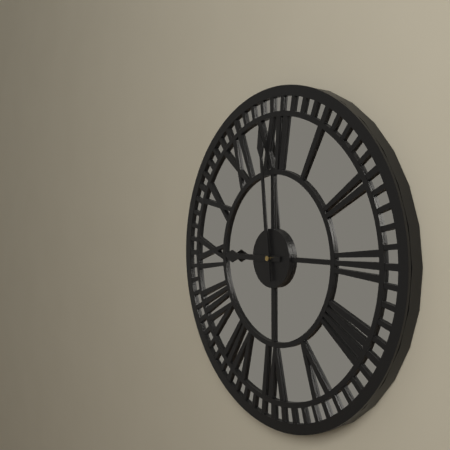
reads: 8,59
